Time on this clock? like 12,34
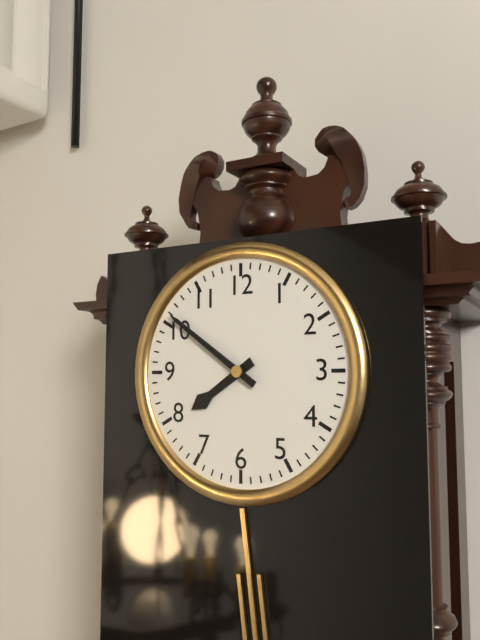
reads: 7,51
